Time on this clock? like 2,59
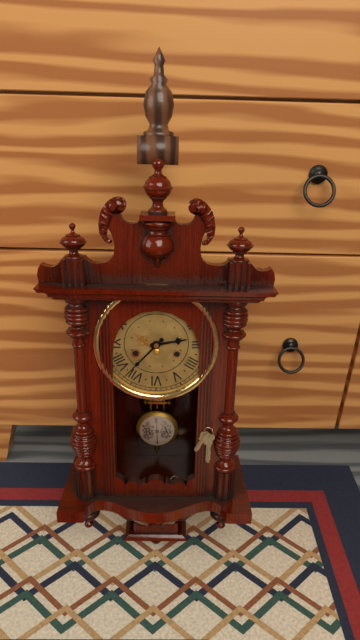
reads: 2,37
